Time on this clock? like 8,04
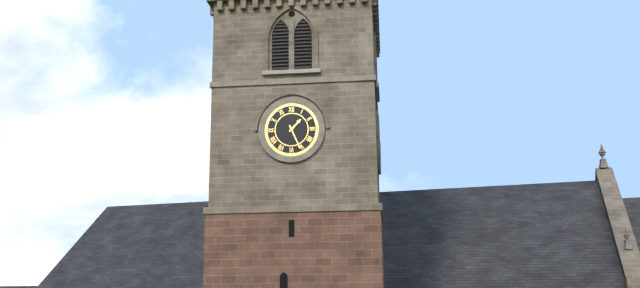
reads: 1,26
